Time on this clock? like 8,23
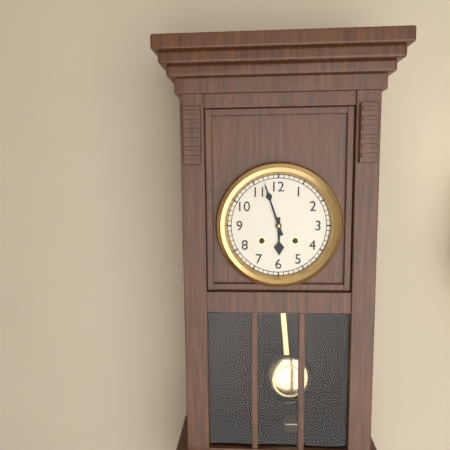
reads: 5,57
